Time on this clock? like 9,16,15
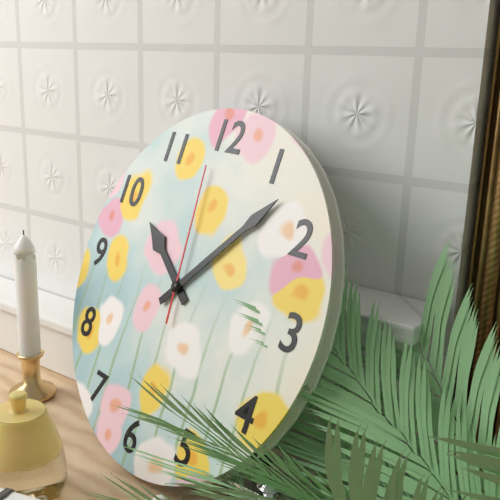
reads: 10,07,59
